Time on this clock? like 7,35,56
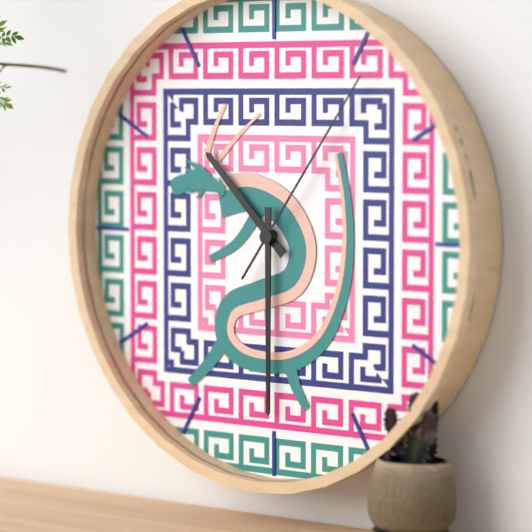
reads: 10,30,06
